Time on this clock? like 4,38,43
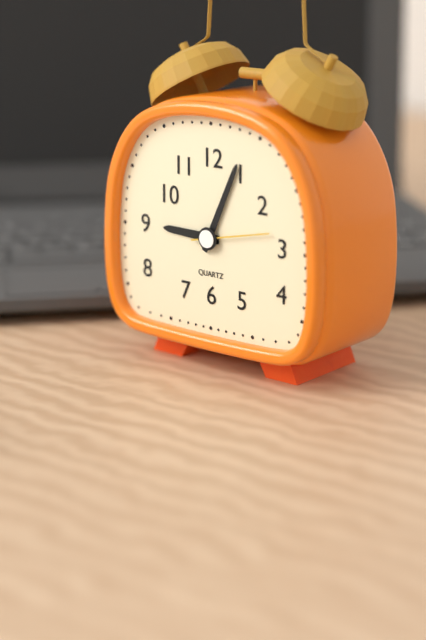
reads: 9,04,13
